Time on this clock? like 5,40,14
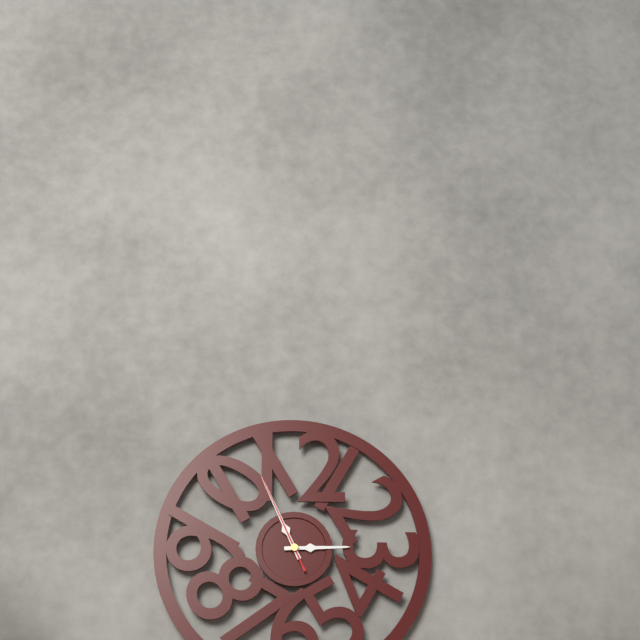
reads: 2,56,56
